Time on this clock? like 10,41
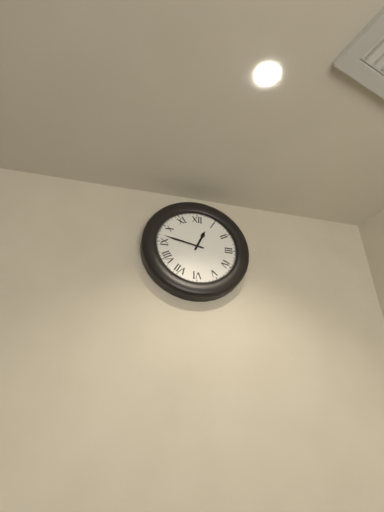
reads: 12,47
